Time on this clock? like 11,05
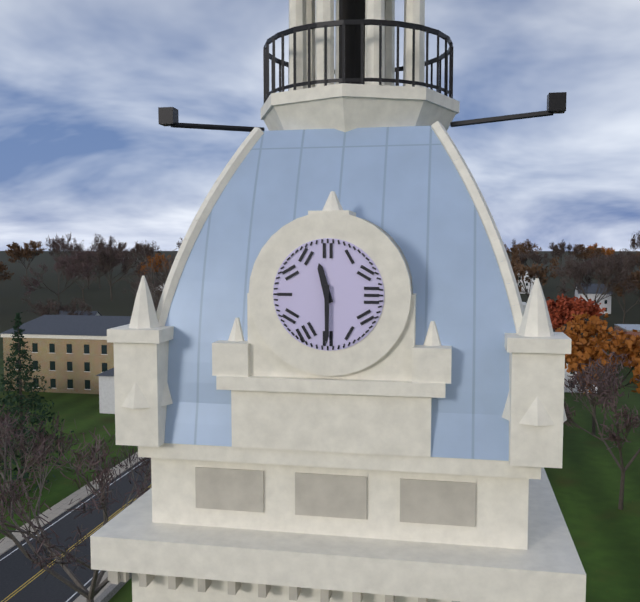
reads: 11,30
